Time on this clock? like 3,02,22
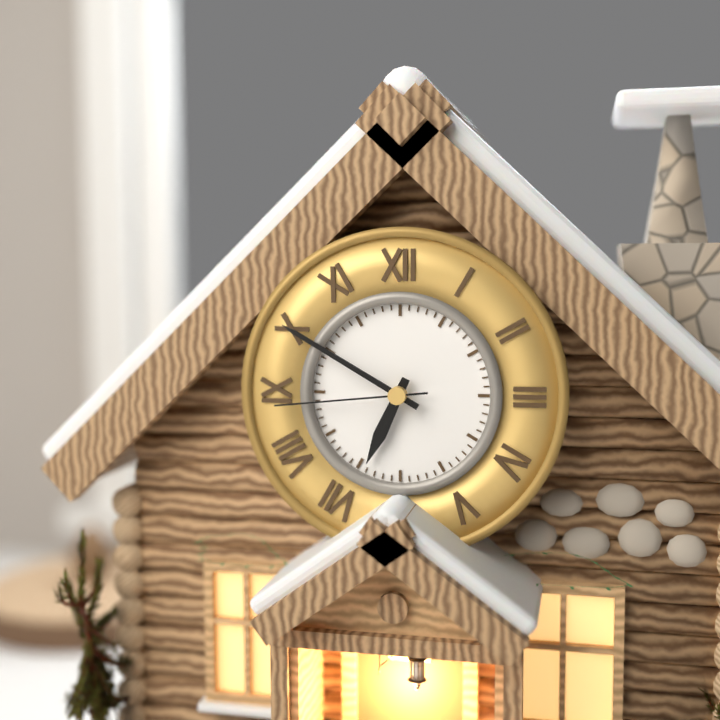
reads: 6,50,44
